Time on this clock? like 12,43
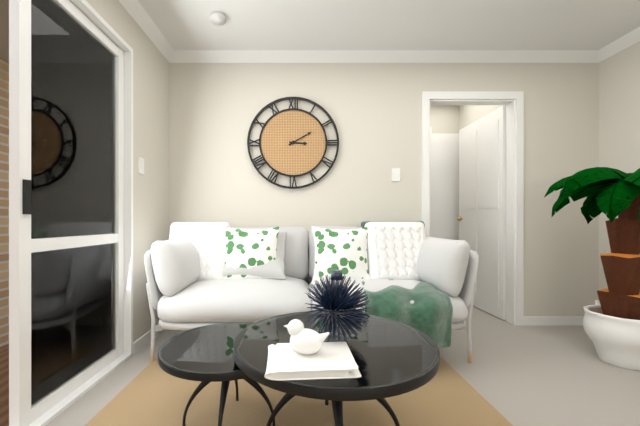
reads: 3,10
